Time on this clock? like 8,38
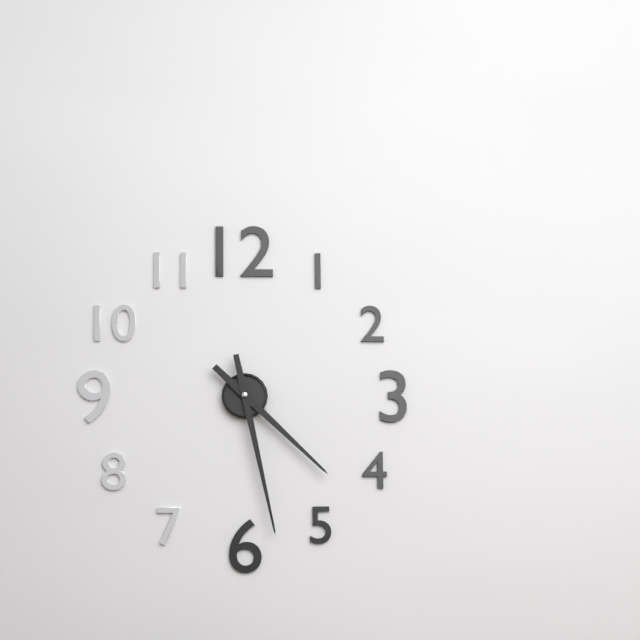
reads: 4,28
